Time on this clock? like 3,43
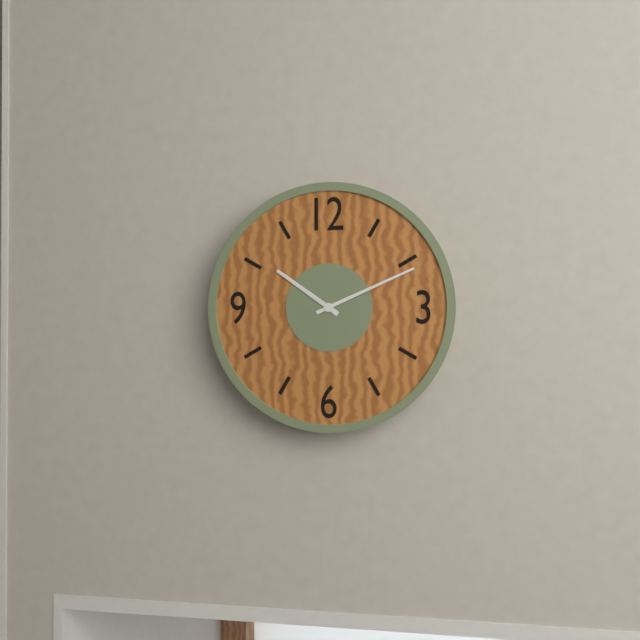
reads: 10,11
